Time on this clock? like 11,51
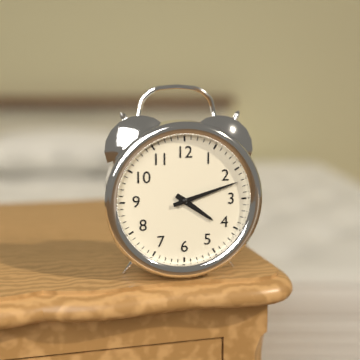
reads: 4,12
